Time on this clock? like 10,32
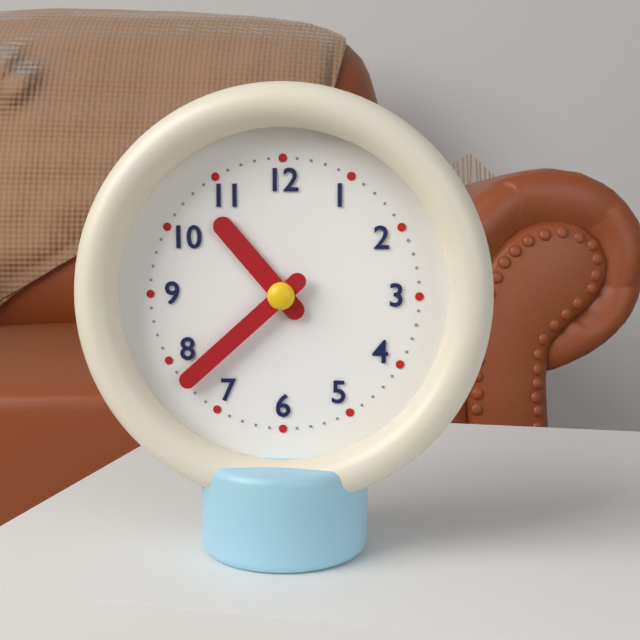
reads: 10,38
